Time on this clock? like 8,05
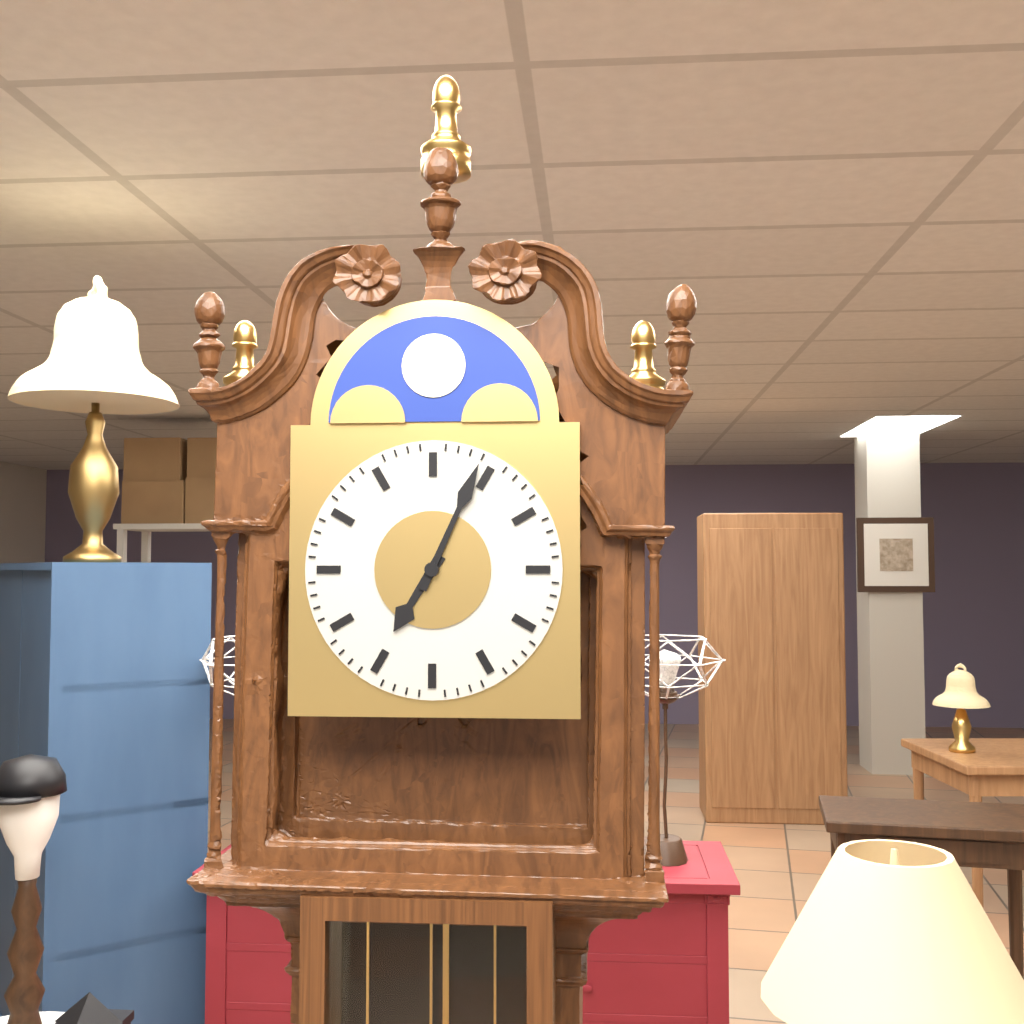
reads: 7,04
